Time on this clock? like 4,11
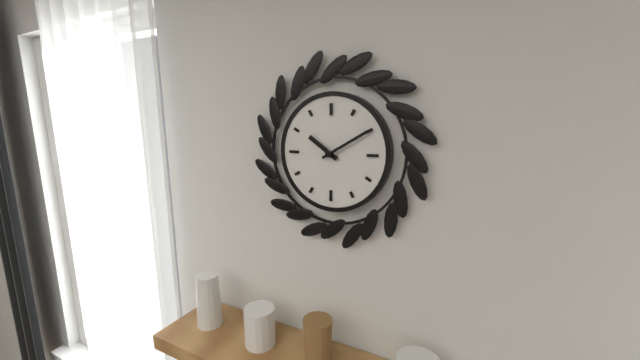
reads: 10,10
